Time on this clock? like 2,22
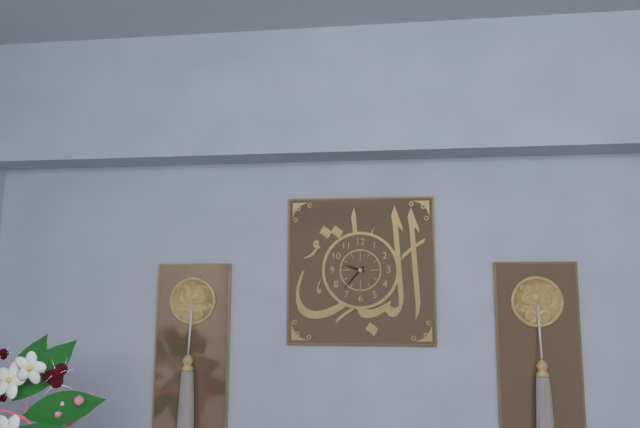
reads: 9,37
